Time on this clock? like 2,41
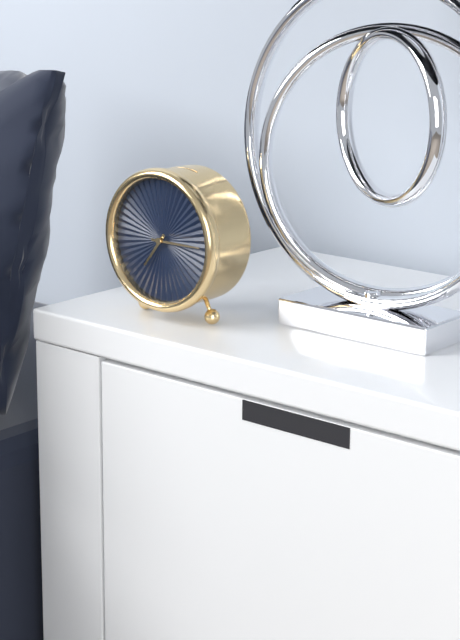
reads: 7,15
